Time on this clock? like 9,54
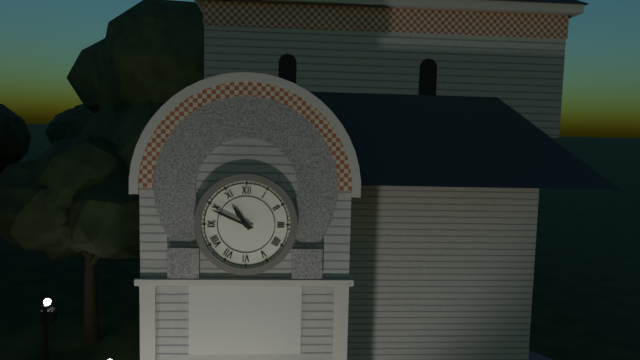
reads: 10,49
